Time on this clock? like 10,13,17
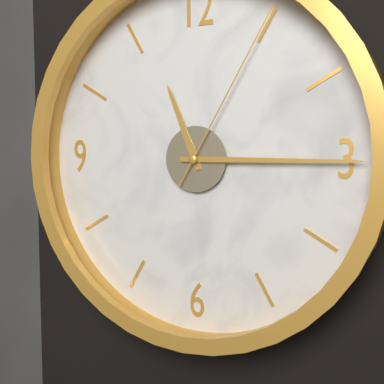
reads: 11,15,05
